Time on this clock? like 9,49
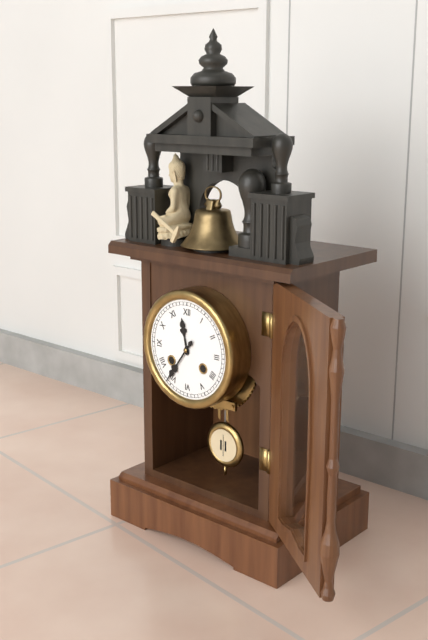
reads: 11,36
